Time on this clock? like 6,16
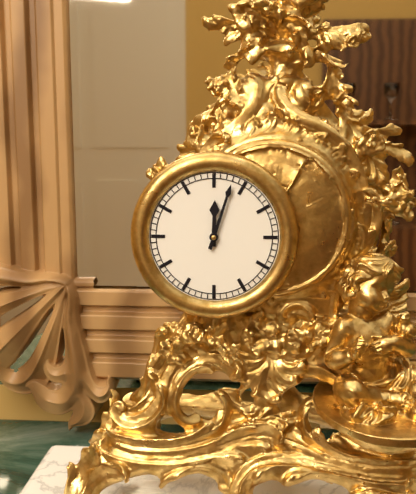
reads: 12,03
